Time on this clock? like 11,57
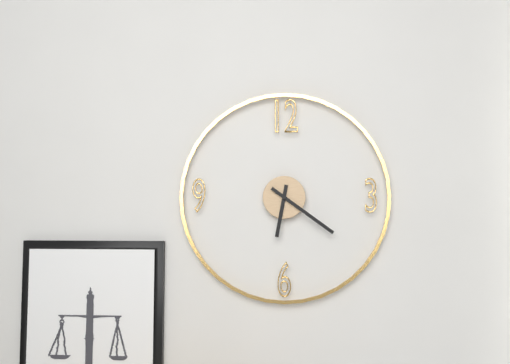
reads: 6,21
